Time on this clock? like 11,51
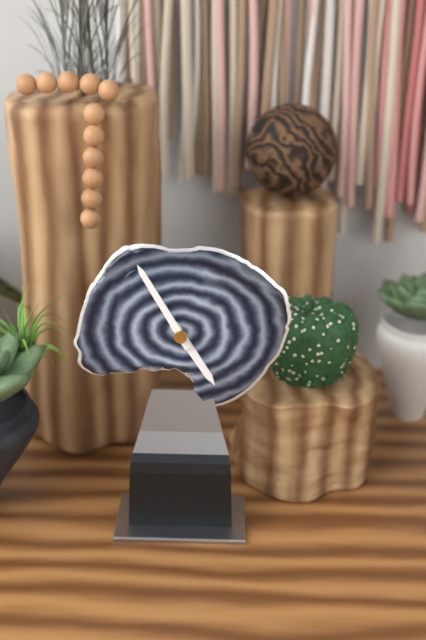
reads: 4,55
